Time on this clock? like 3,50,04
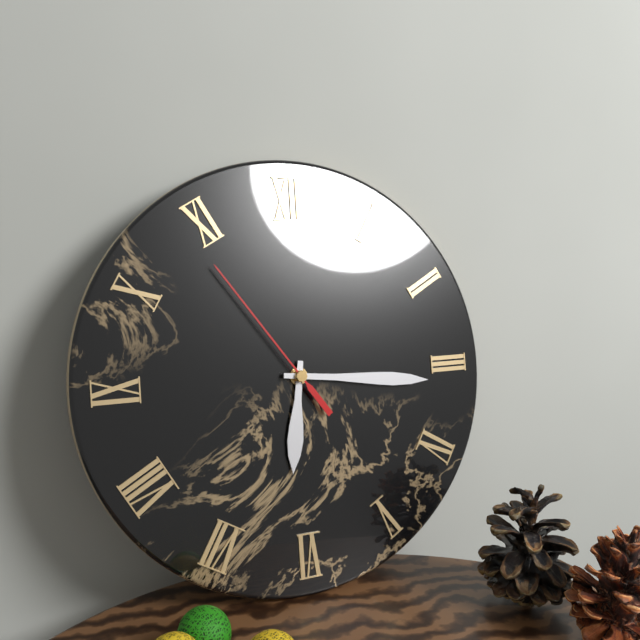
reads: 6,16,54
